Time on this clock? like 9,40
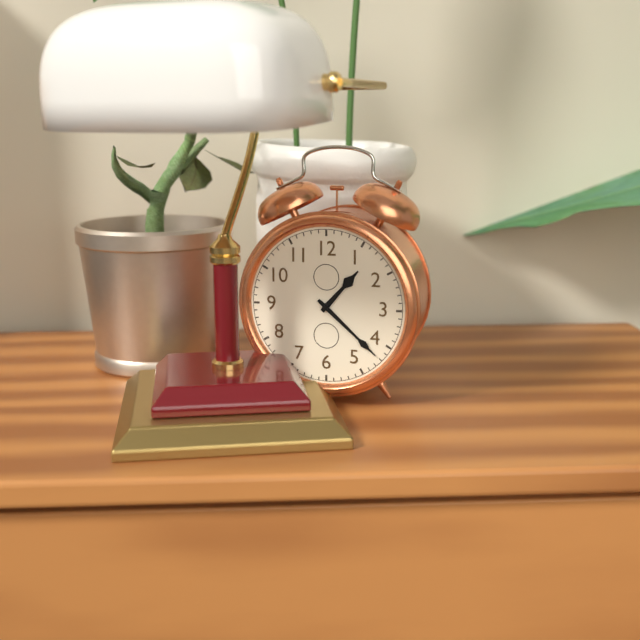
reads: 1,22
